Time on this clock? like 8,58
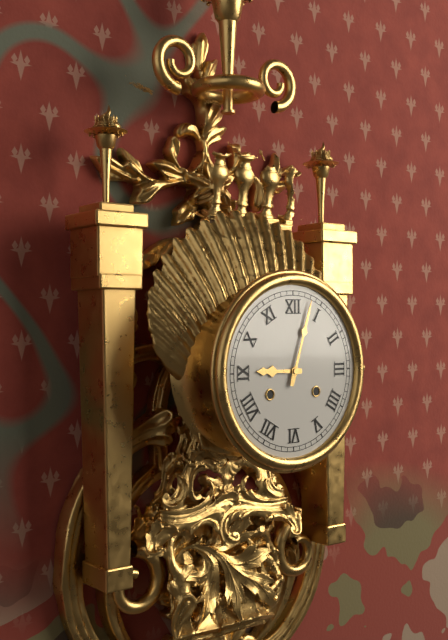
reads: 9,03
